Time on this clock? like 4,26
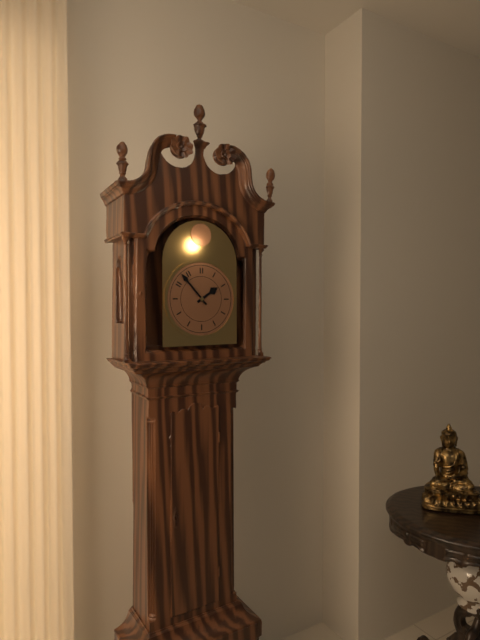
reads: 1,53
